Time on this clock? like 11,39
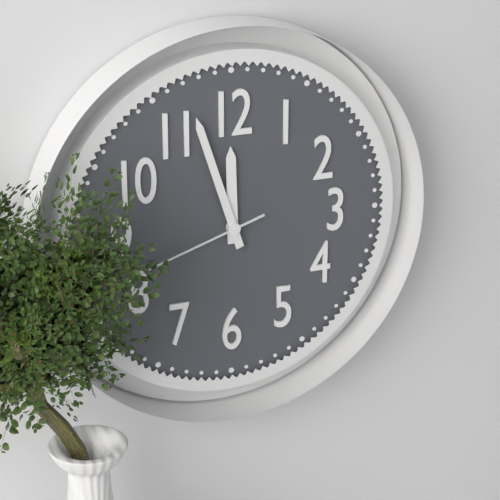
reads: 11,57
